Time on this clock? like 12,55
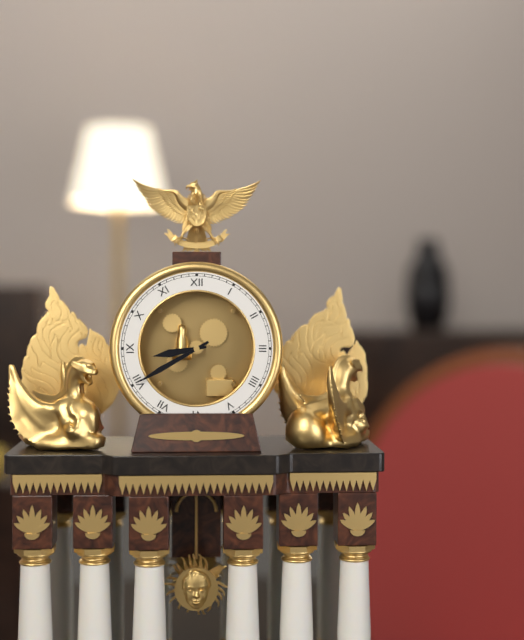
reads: 8,40
